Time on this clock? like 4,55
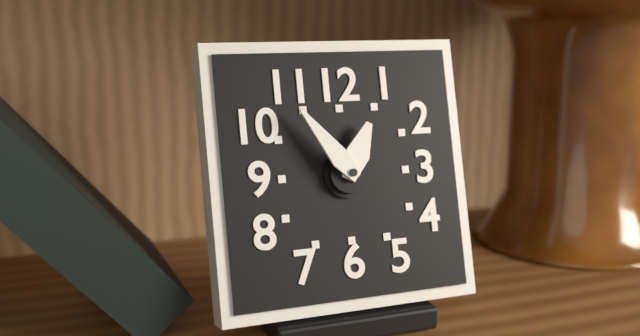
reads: 12,54
